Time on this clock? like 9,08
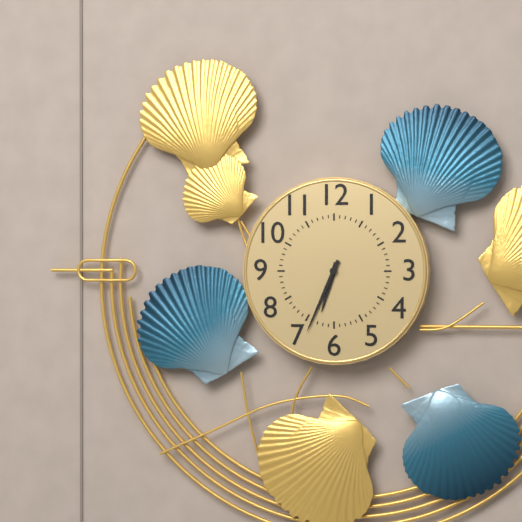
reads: 6,34
